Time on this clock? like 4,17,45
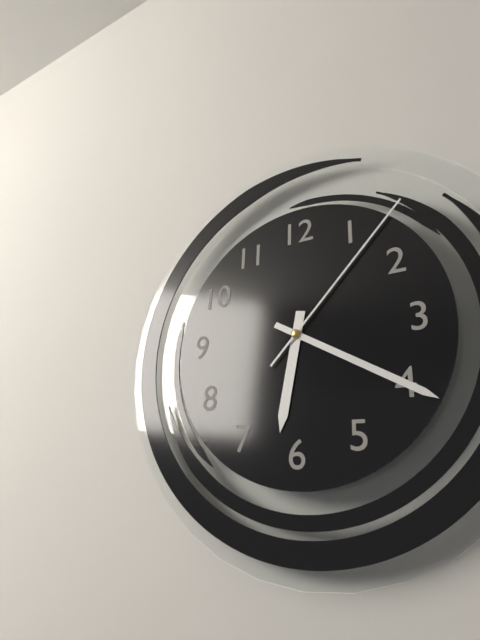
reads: 6,20,07
